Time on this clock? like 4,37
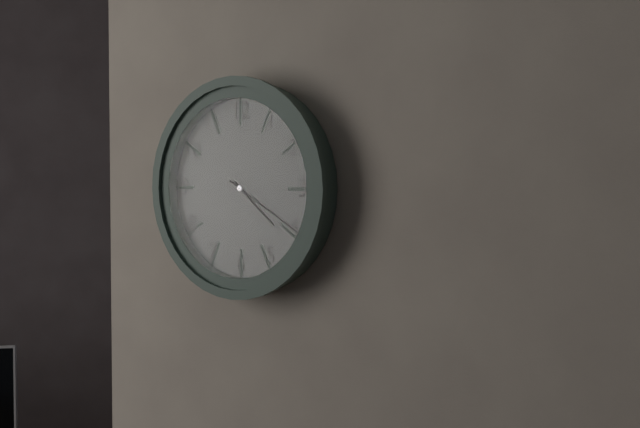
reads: 4,20
